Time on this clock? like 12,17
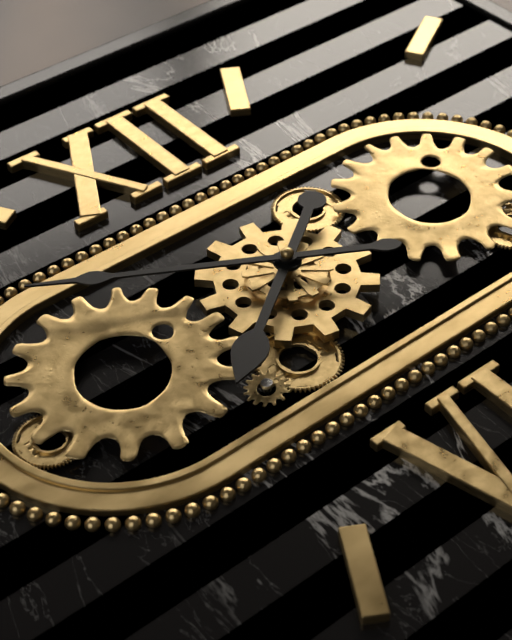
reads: 7,50
